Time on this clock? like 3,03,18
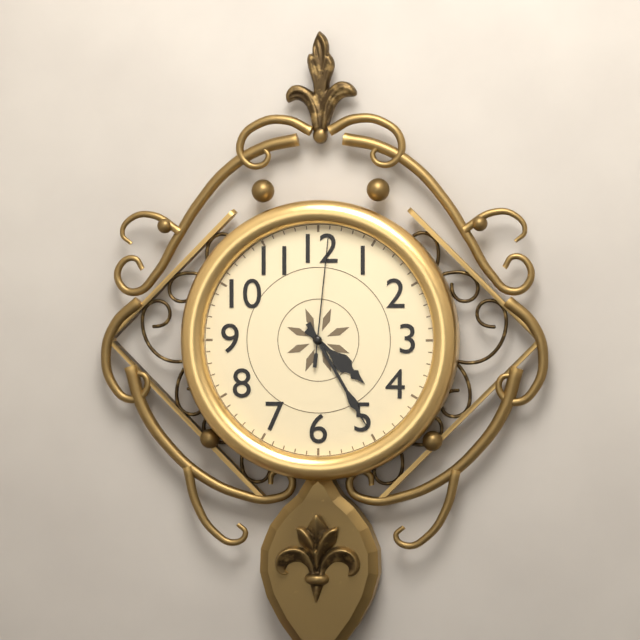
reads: 4,25,01
